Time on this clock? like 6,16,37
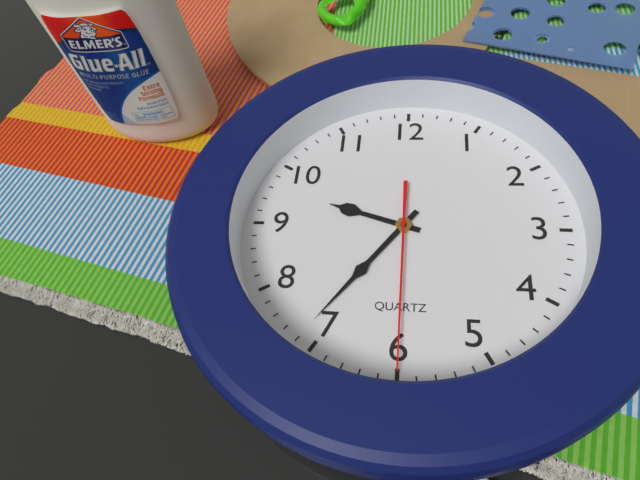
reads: 9,36,30
